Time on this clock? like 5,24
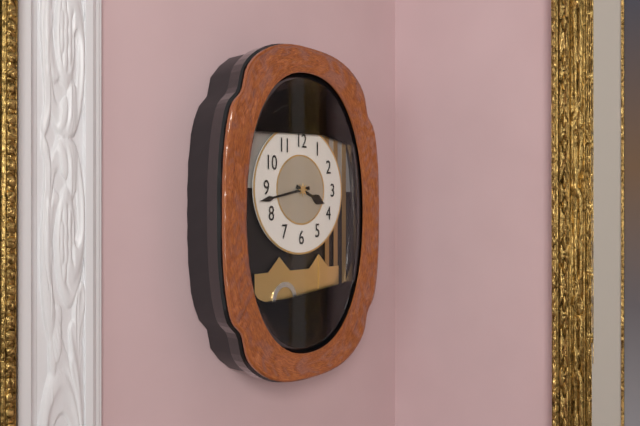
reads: 3,43
